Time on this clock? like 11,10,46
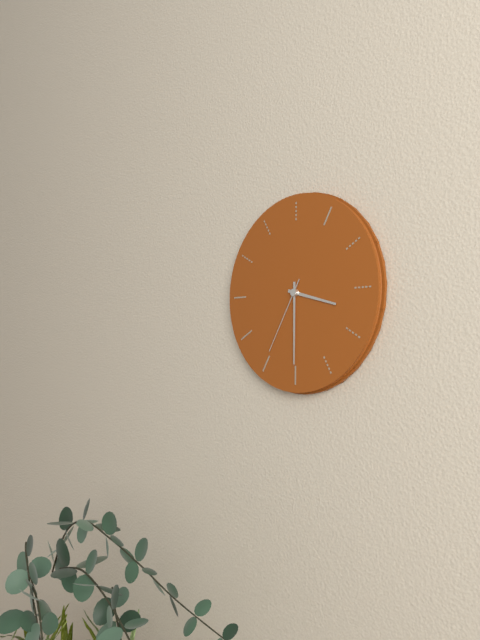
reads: 3,30,35
